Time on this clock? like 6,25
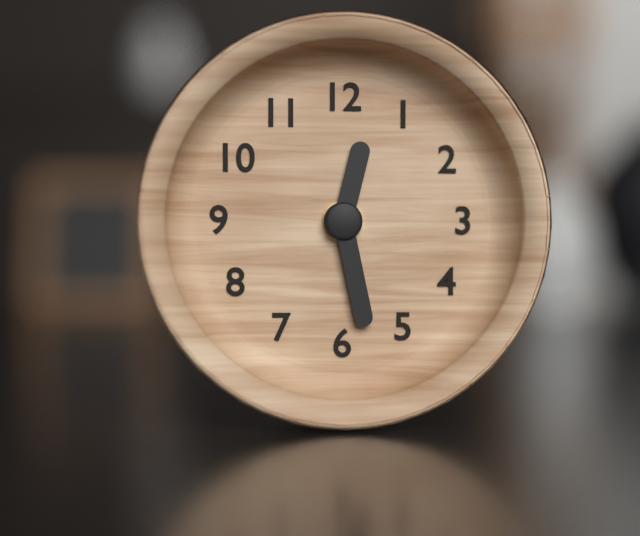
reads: 12,28
